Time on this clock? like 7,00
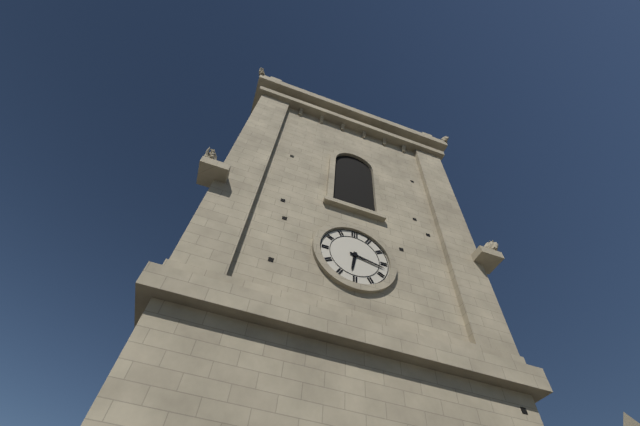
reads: 6,17
